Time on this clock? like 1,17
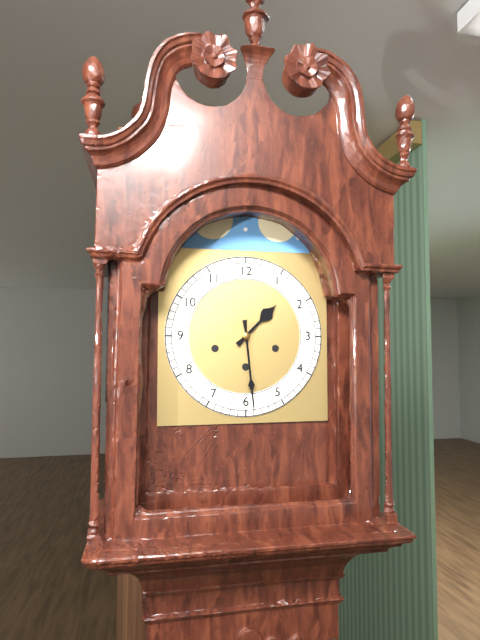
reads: 1,29
